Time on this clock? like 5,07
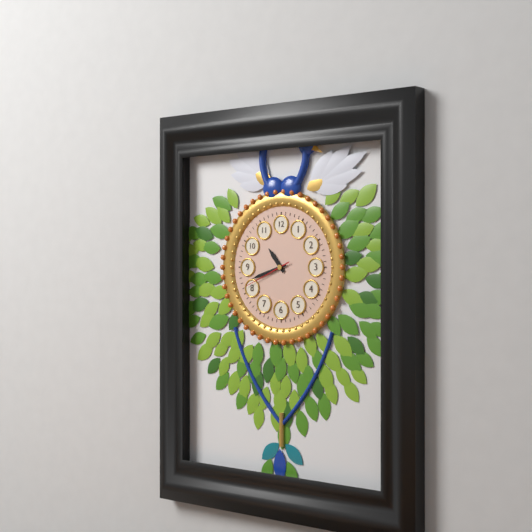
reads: 10,42
